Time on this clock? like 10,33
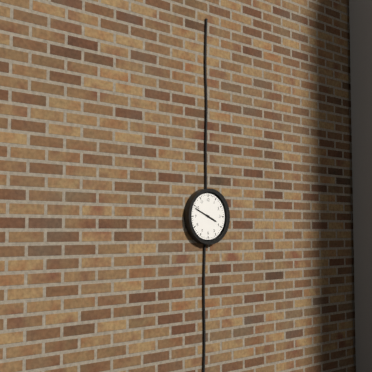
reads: 3,49
